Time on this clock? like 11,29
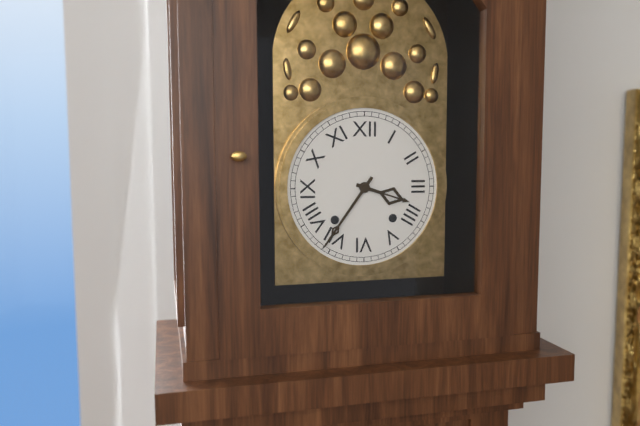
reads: 3,36
